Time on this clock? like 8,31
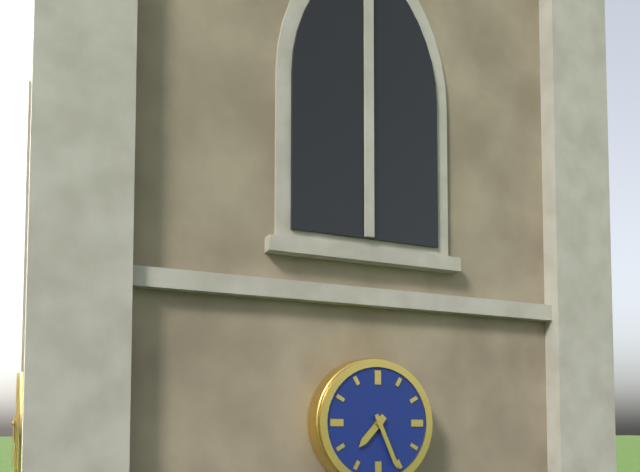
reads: 7,26
